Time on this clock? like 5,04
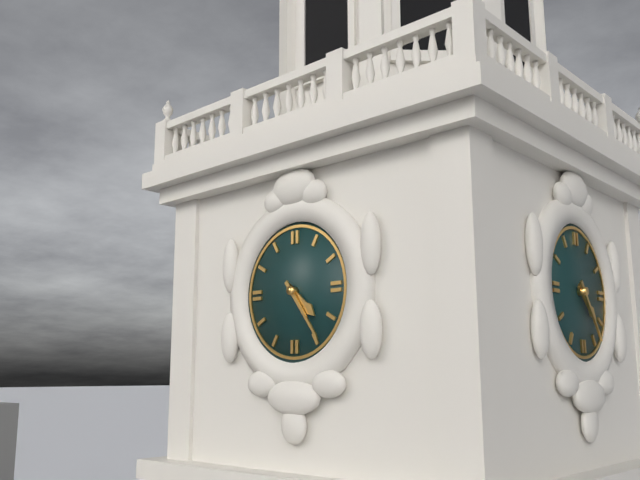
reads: 4,24
